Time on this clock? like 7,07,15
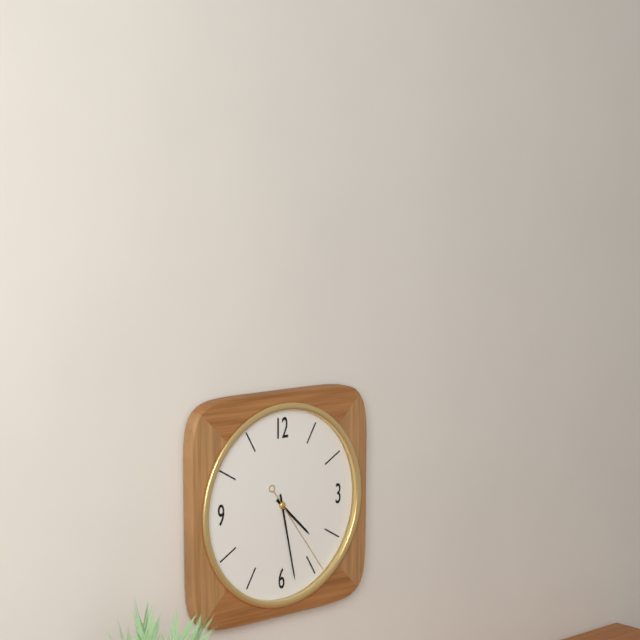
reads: 4,28,24
